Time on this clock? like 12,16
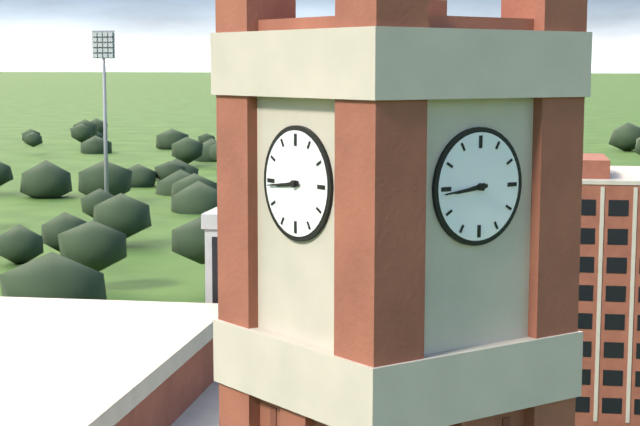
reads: 8,44
